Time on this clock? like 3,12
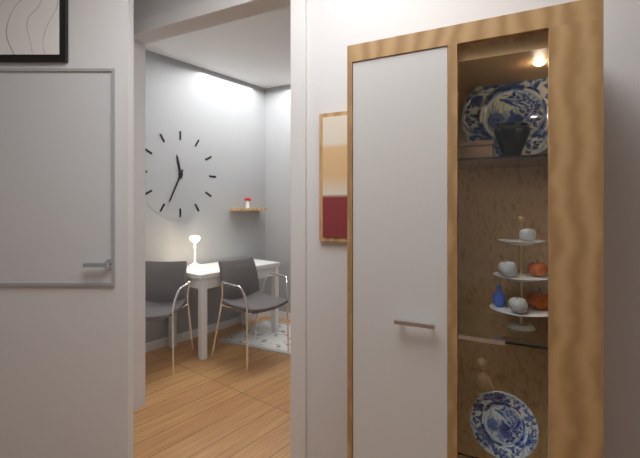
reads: 11,34
